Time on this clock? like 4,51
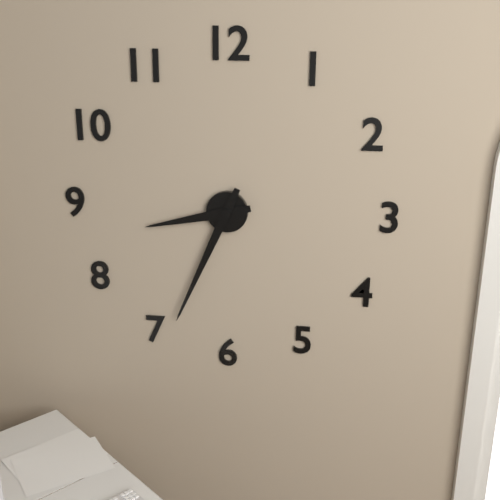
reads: 8,34
